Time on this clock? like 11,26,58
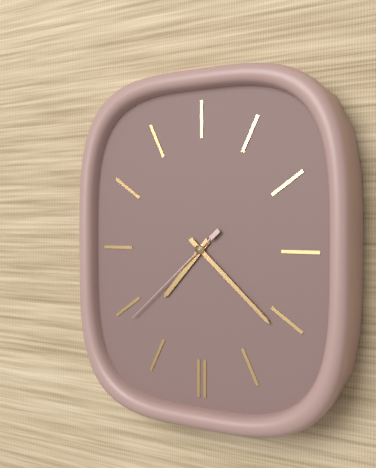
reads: 7,22,38
